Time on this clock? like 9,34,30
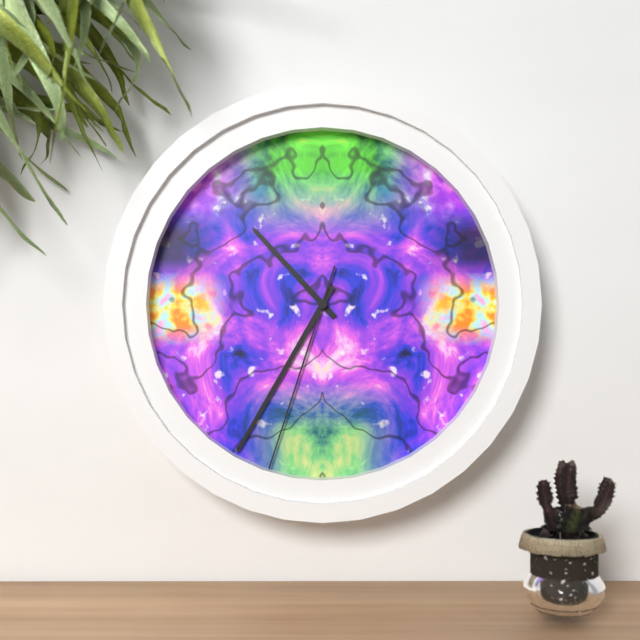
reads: 10,35,33
